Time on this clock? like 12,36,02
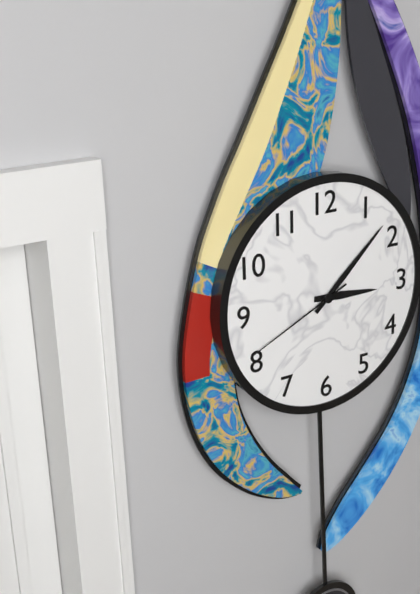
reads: 3,08,41
